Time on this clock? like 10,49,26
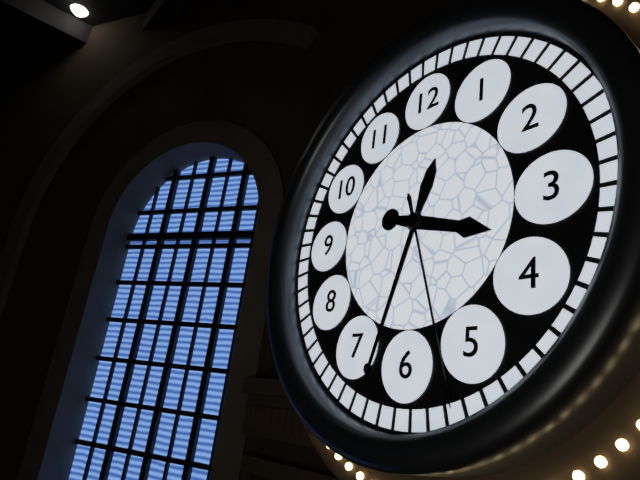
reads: 3,33,27
